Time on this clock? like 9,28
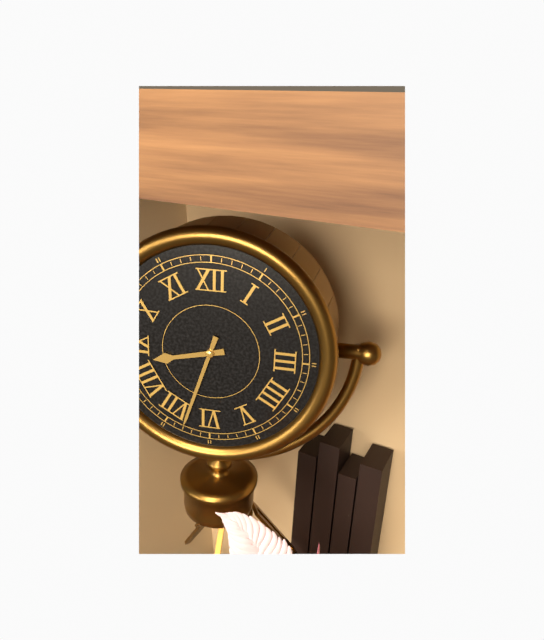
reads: 8,33
